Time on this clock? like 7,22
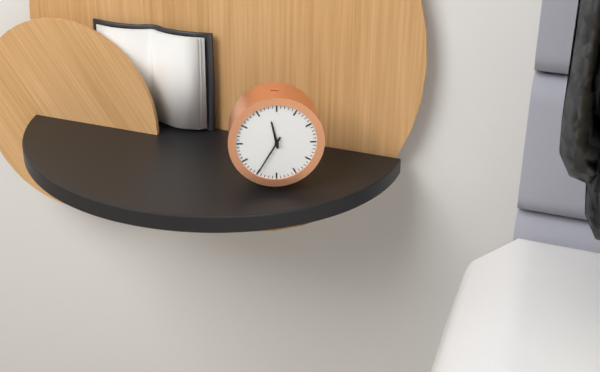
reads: 11,35
